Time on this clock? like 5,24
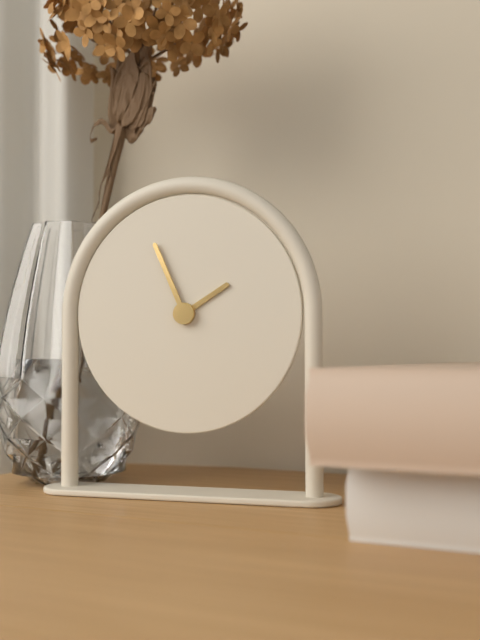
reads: 1,56
